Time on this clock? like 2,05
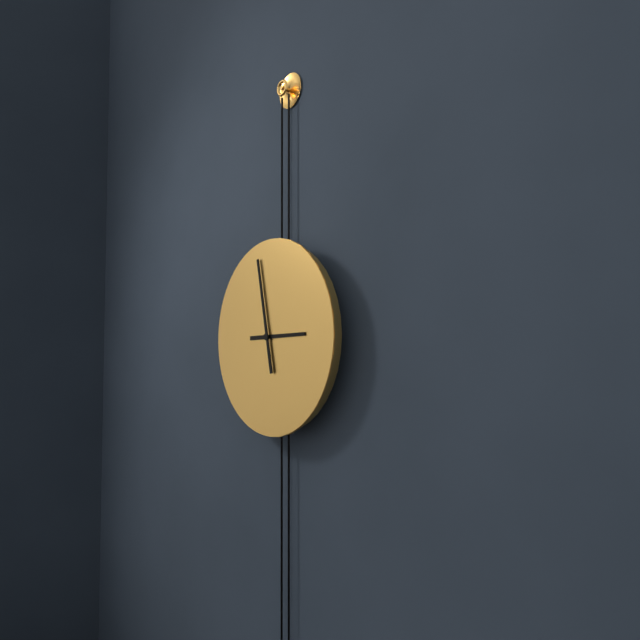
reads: 2,58
